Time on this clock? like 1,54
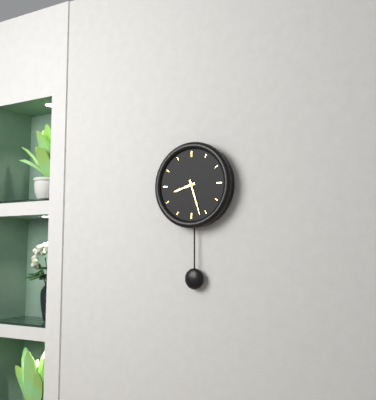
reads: 8,27
